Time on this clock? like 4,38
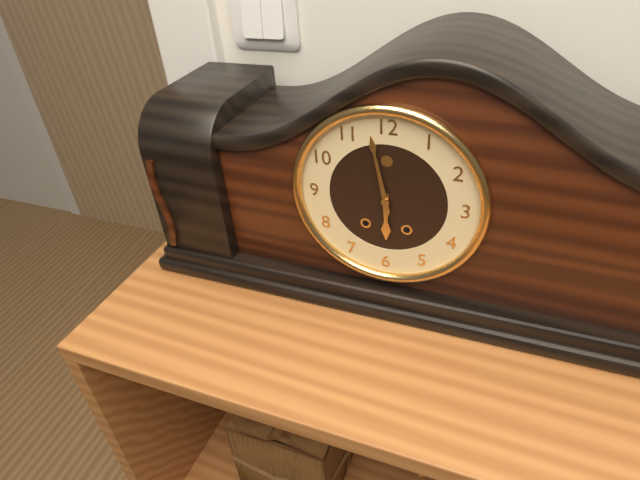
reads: 5,58
